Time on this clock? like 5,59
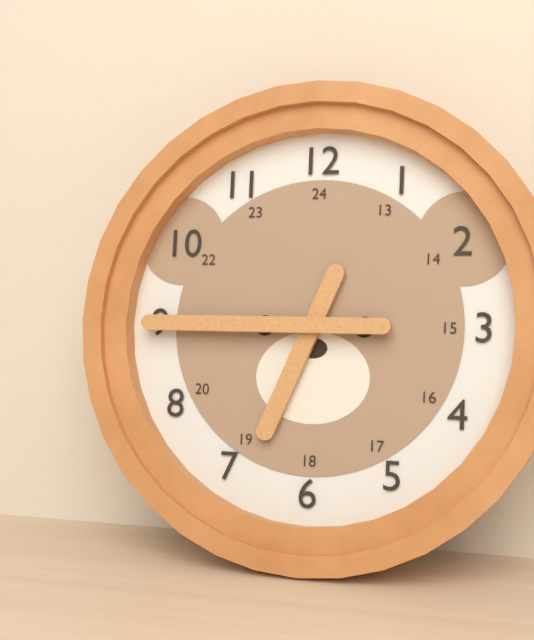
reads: 6,45
